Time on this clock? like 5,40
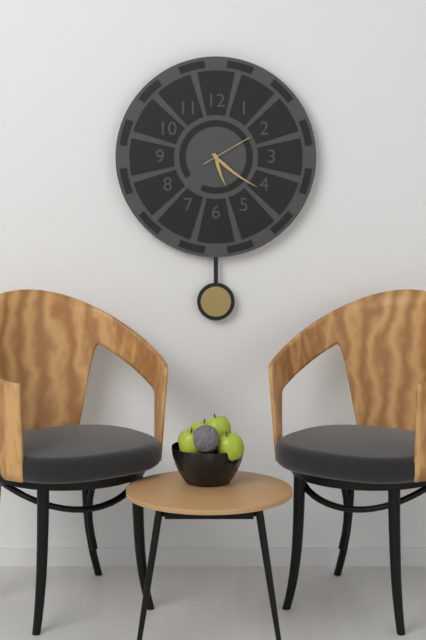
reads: 5,21
